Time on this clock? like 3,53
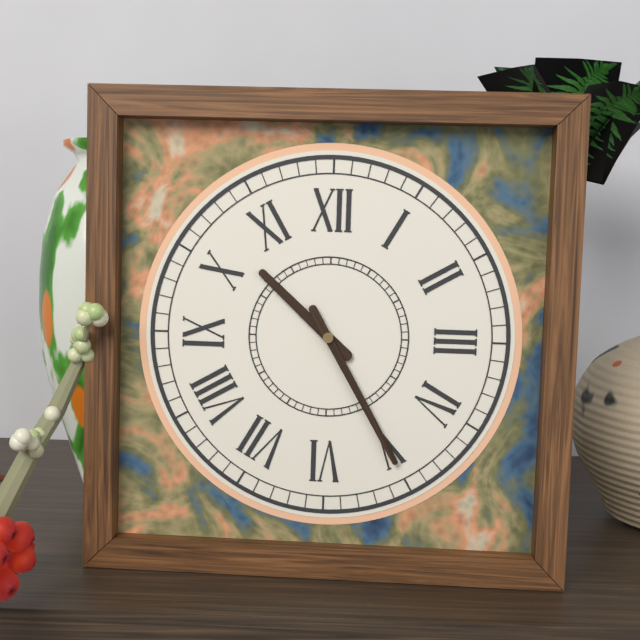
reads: 10,25
